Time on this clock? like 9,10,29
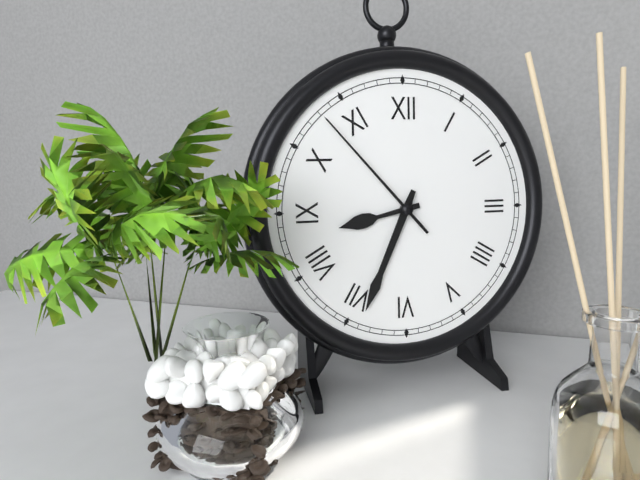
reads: 8,34,53
